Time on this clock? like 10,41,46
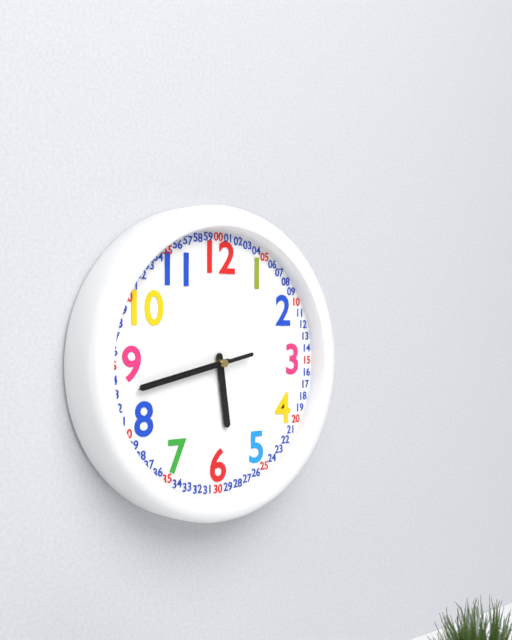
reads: 5,43,43
